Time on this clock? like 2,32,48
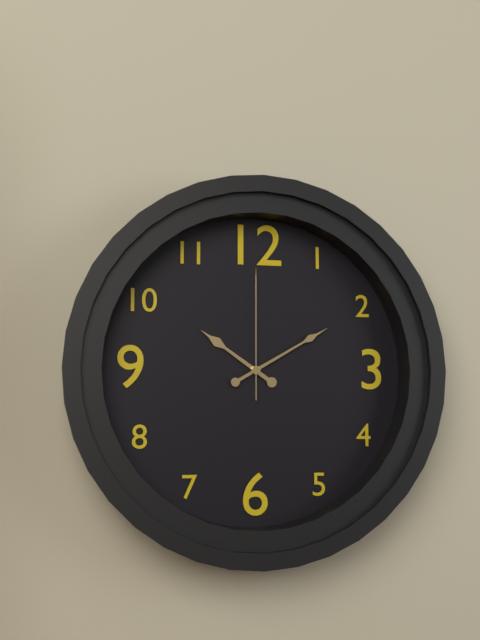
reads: 10,10,00
